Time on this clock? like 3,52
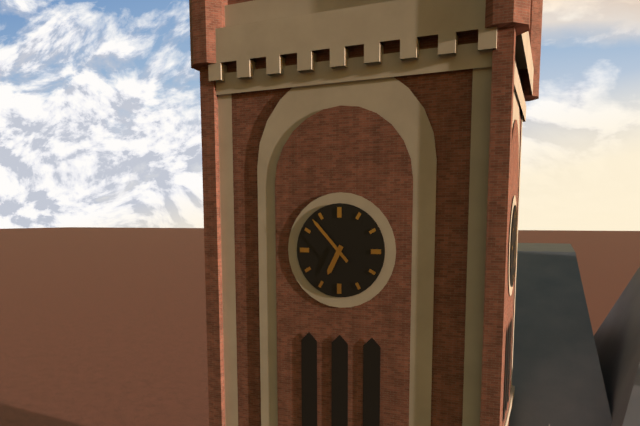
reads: 6,53
